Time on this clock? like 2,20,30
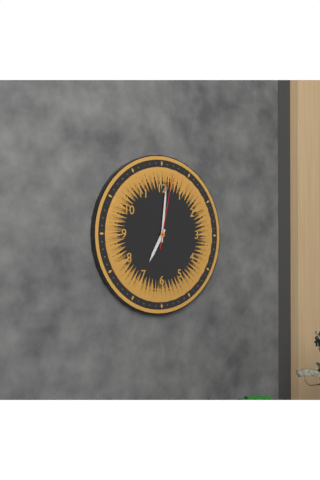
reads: 7,01,02
